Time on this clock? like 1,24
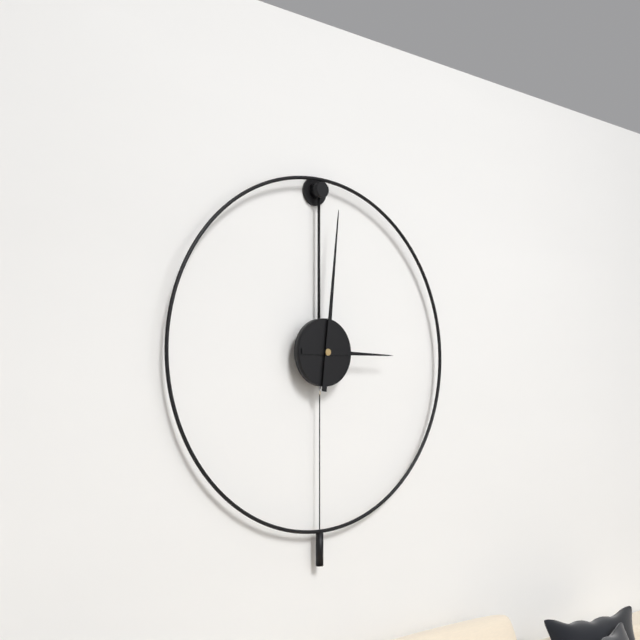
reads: 3,01
